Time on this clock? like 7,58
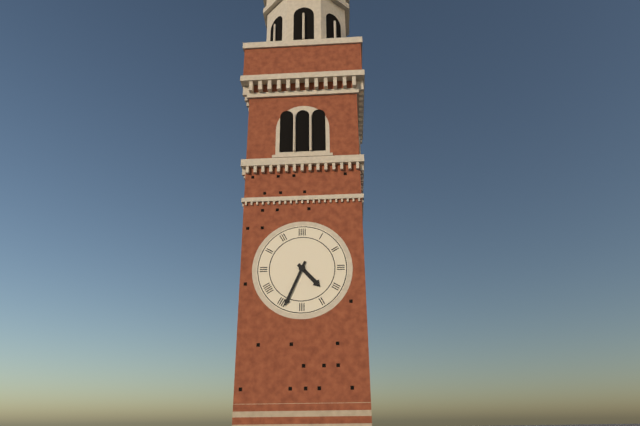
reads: 4,34
